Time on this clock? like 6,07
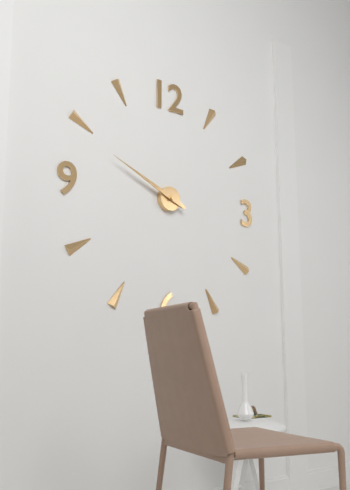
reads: 9,49
